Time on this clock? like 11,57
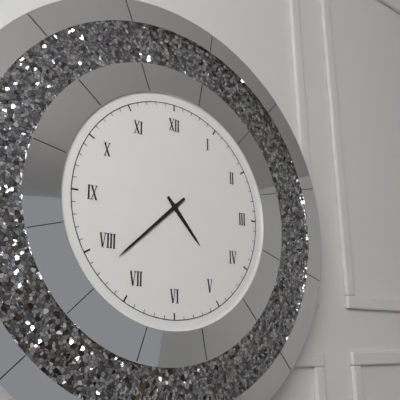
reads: 4,38
